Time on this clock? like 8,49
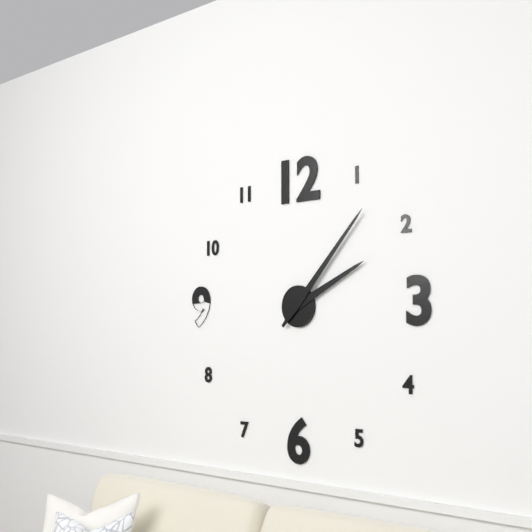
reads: 2,07
